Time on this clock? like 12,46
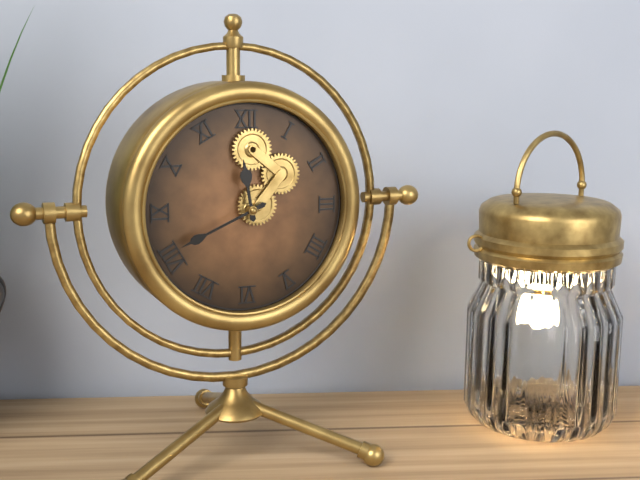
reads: 11,41
